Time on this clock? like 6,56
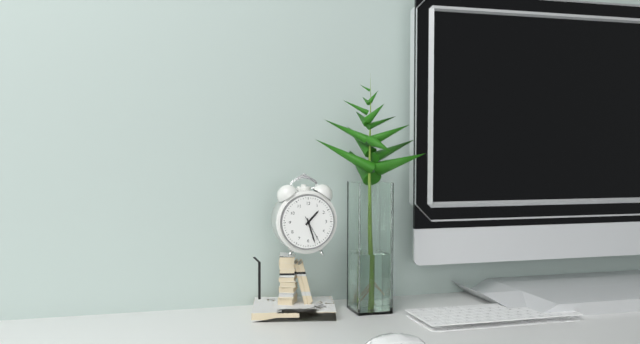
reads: 1,27
